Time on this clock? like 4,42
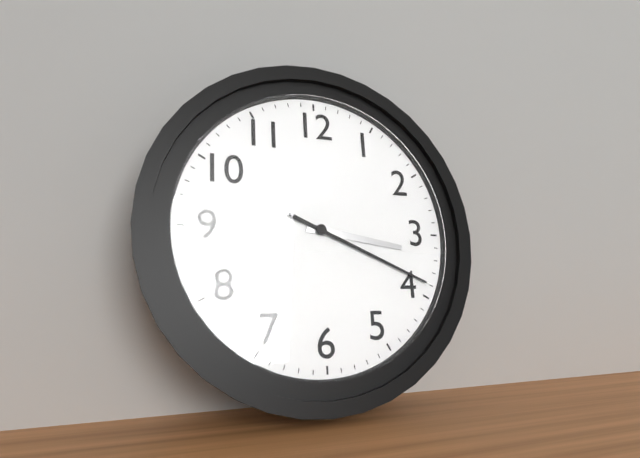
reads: 3,19
